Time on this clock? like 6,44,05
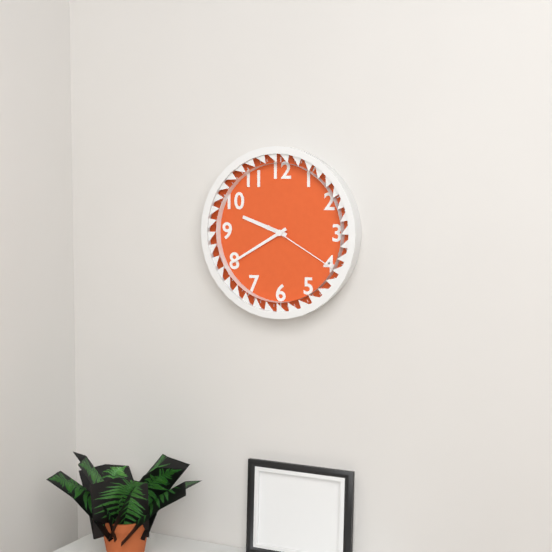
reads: 9,40,20
